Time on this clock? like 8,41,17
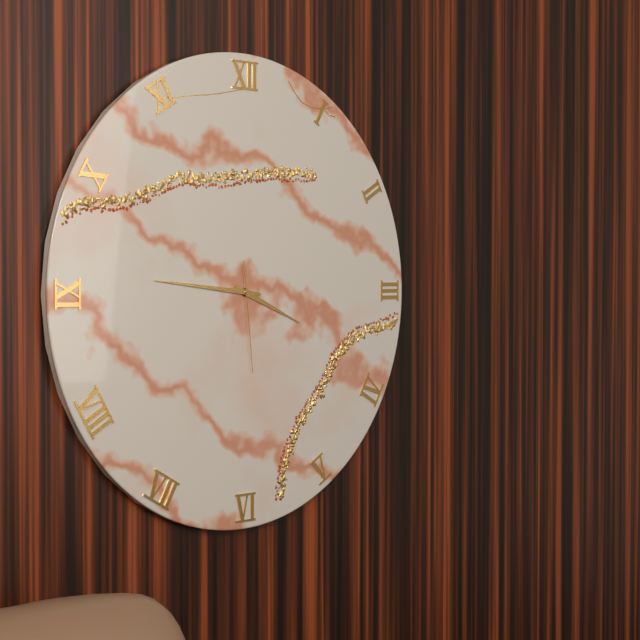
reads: 3,46,29
